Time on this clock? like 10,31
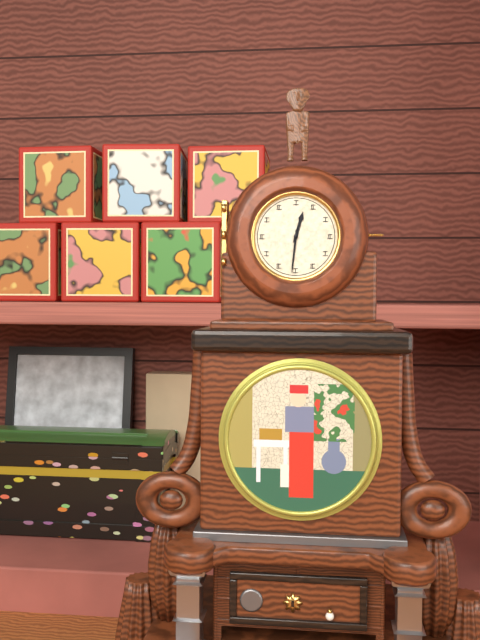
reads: 12,31
